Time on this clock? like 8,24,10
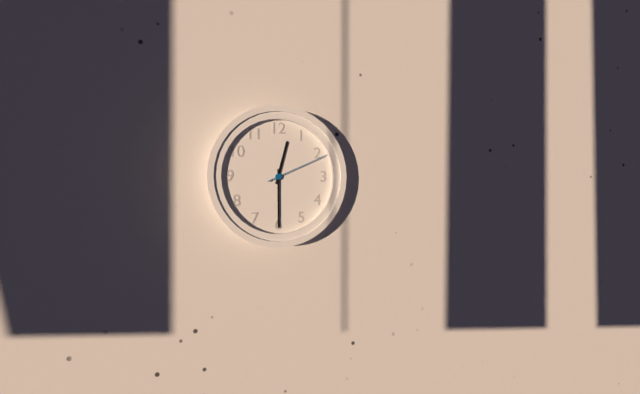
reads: 12,30,11
